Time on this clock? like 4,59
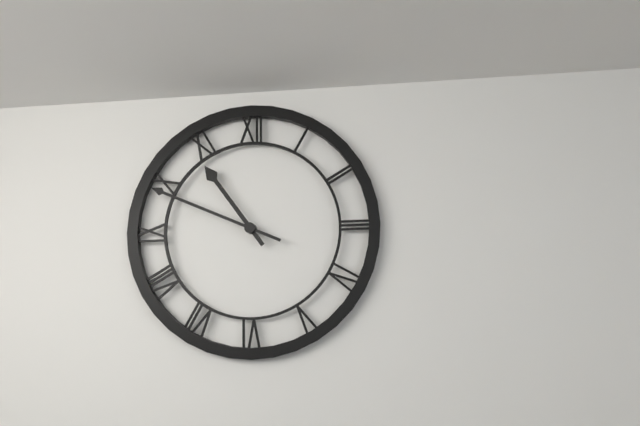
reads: 10,49
